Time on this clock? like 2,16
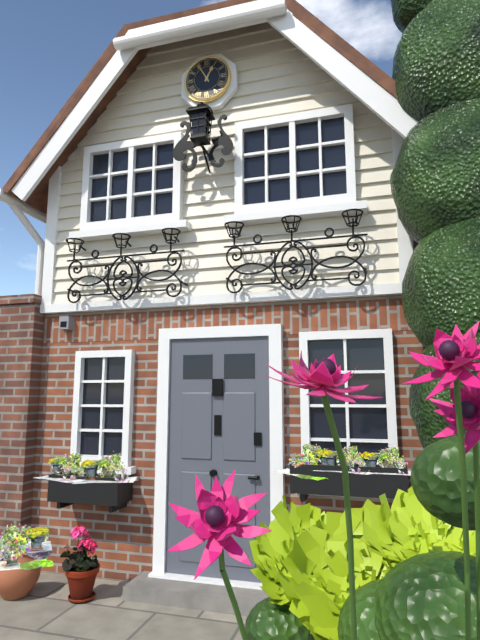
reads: 12,55
